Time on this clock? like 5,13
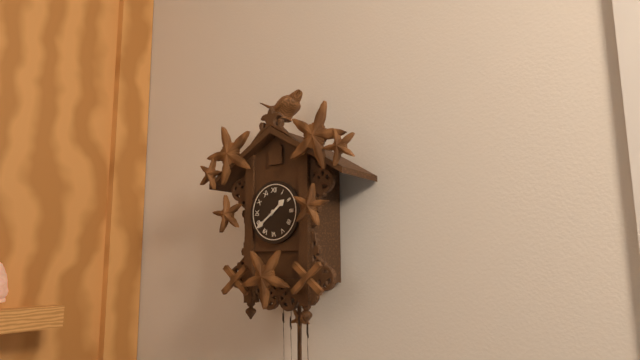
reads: 1,39
